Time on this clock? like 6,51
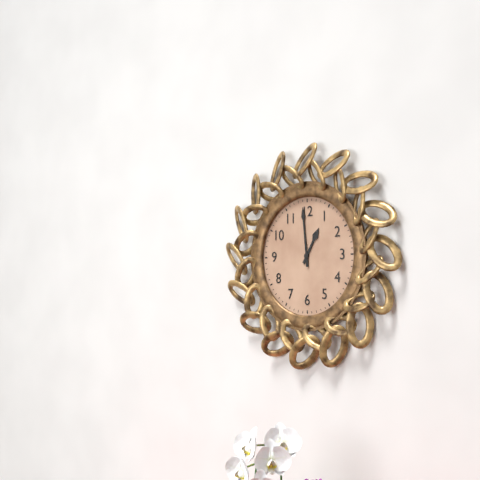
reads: 12,59
